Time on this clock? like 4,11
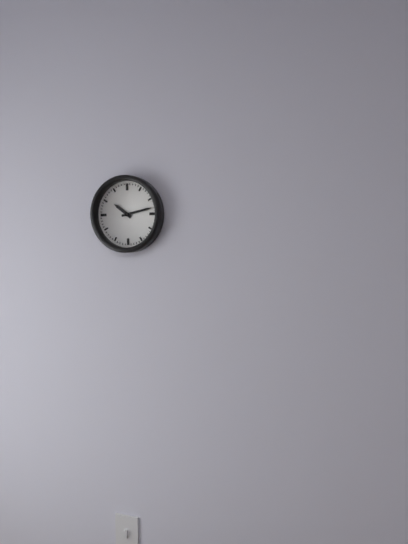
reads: 10,13
